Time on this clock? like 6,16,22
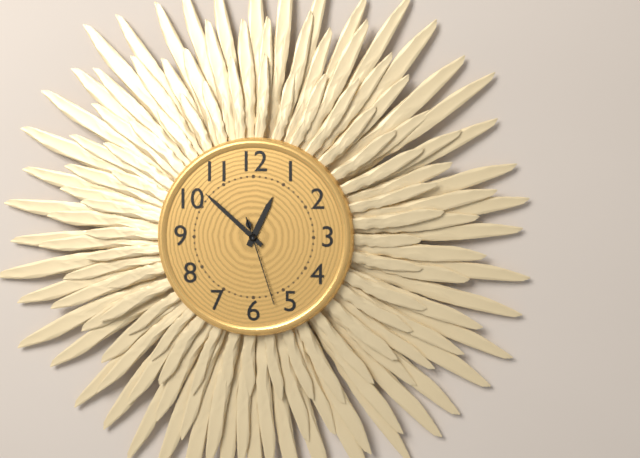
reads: 12,52,27
